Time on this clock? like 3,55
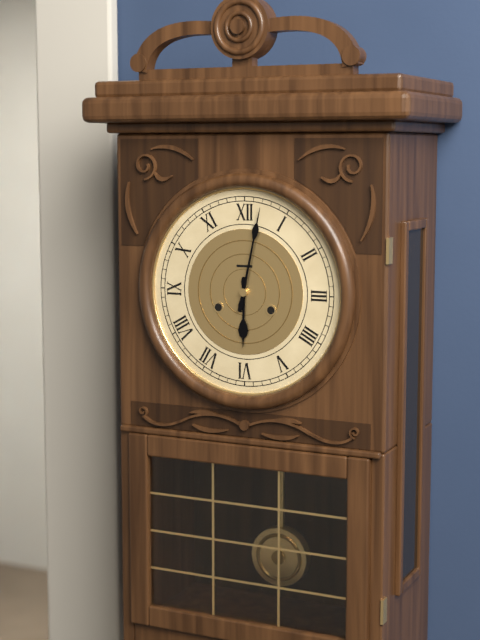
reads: 6,02
